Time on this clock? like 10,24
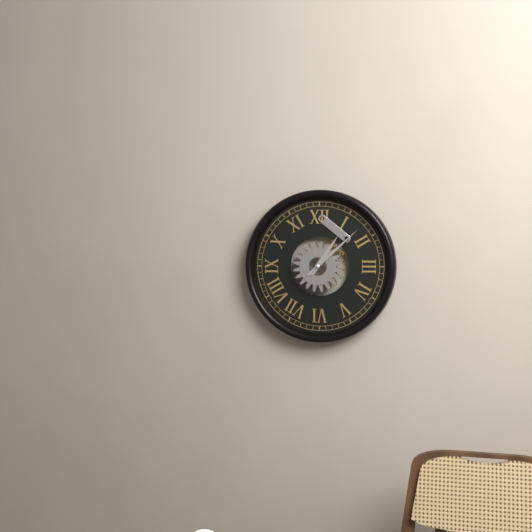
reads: 1,08
